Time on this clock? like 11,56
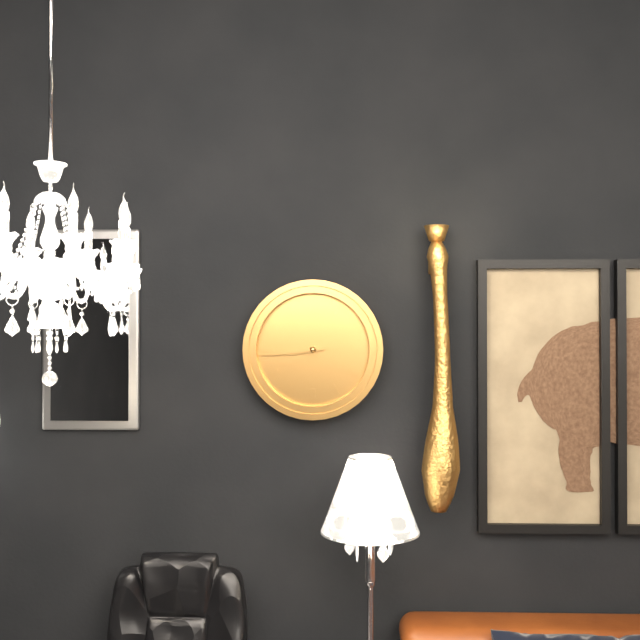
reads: 8,44
